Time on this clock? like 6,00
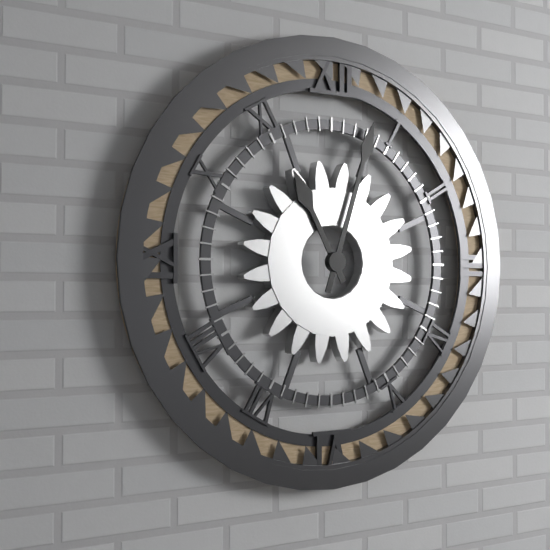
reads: 11,03
